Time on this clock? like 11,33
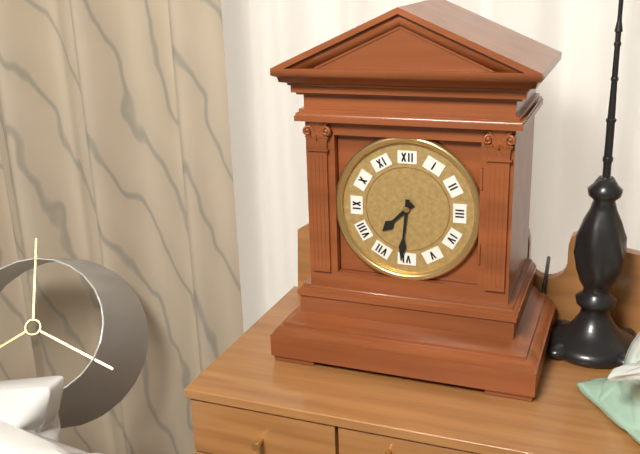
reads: 7,31
